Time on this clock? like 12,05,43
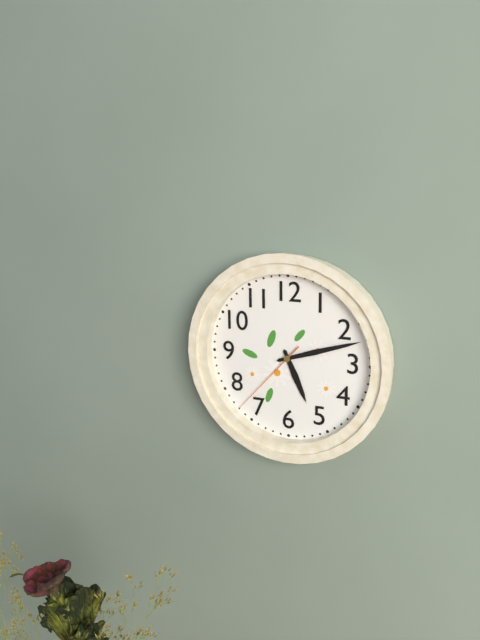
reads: 5,12,37
